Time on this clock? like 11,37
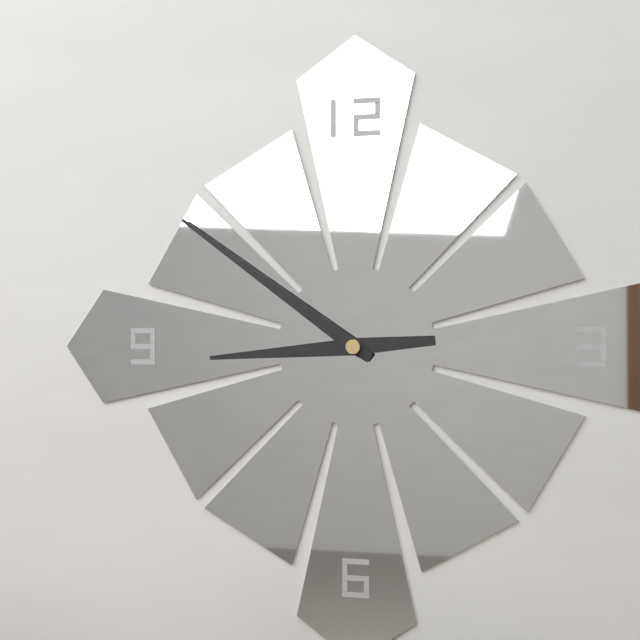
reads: 8,51
